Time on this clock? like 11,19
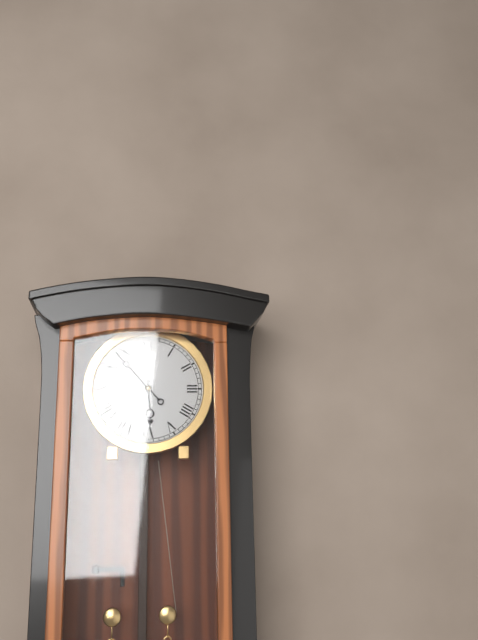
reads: 5,53
